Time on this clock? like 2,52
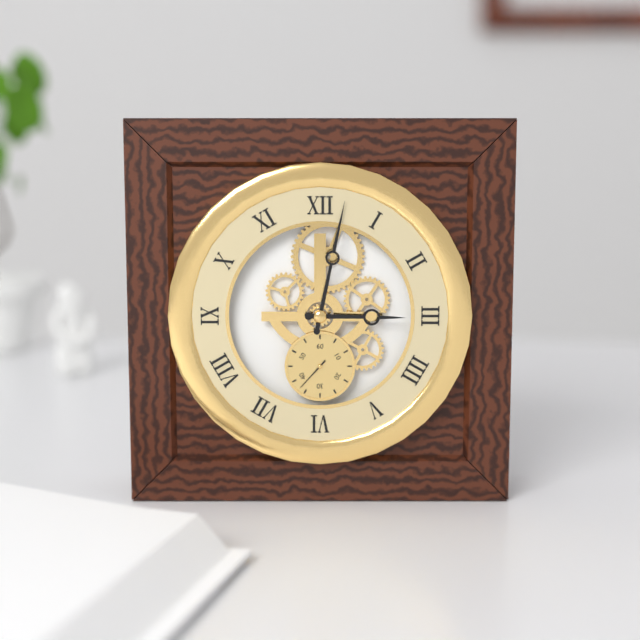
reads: 3,02
